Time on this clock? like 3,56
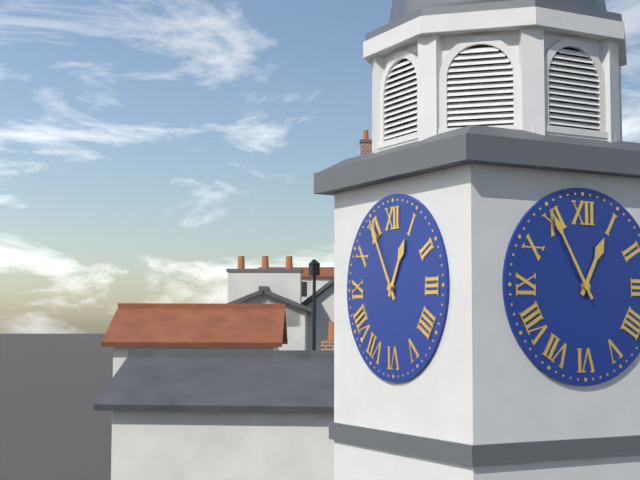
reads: 12,55
